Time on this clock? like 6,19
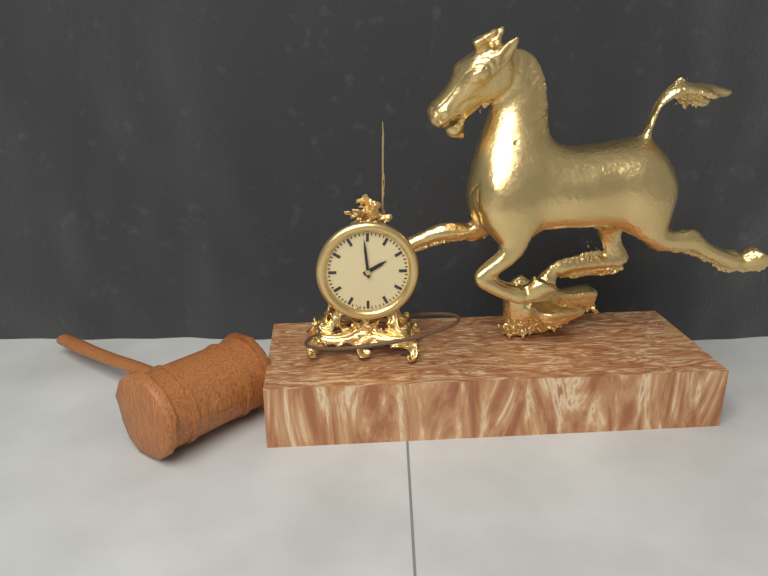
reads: 1,59
